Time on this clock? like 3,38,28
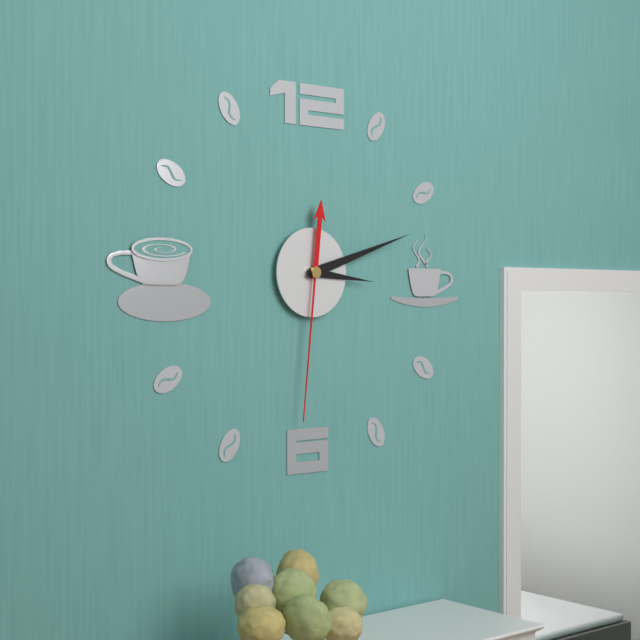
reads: 3,12,31
